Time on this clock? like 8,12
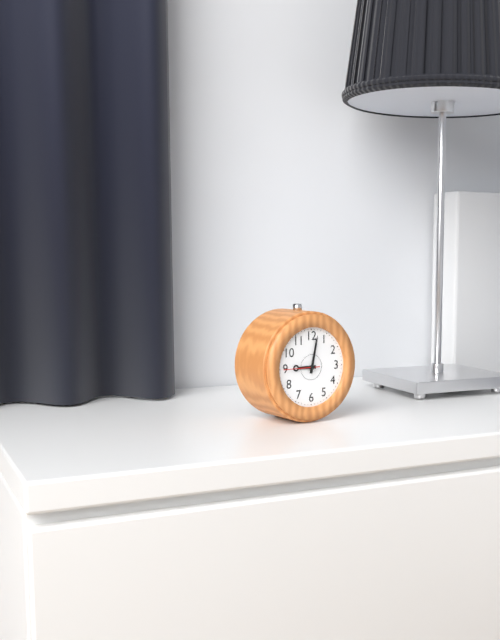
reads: 9,02
